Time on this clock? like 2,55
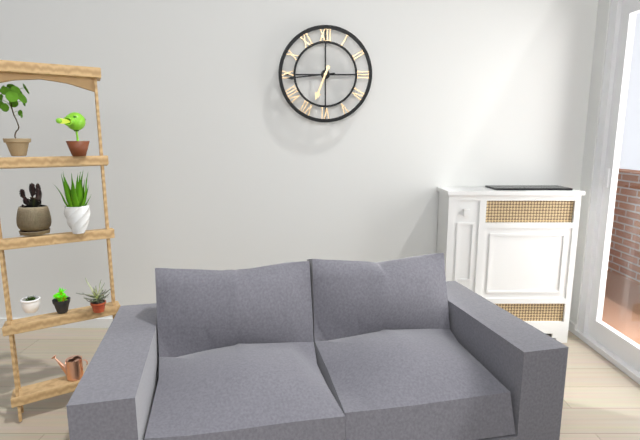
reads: 6,44
